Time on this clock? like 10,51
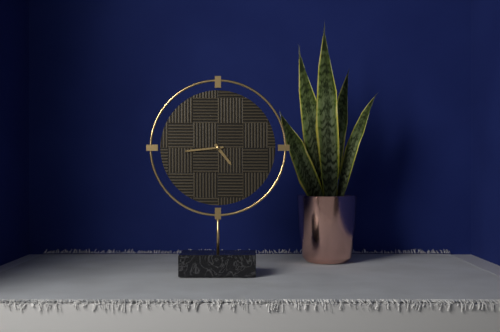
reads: 4,44
